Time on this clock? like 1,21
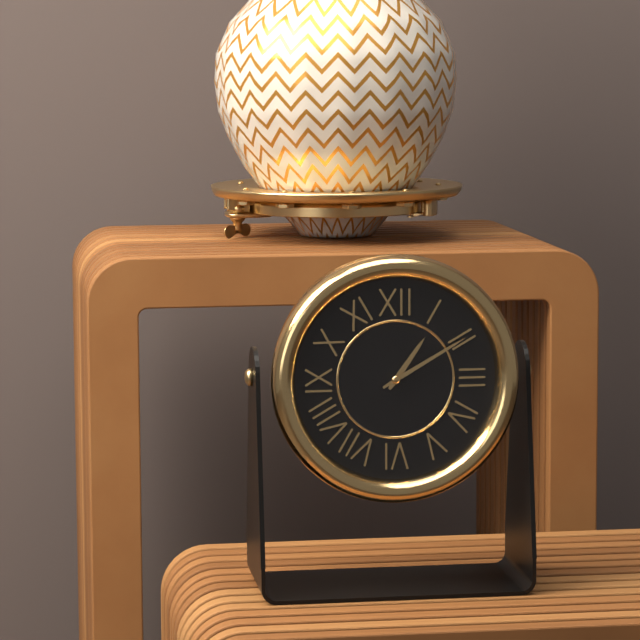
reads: 1,10
